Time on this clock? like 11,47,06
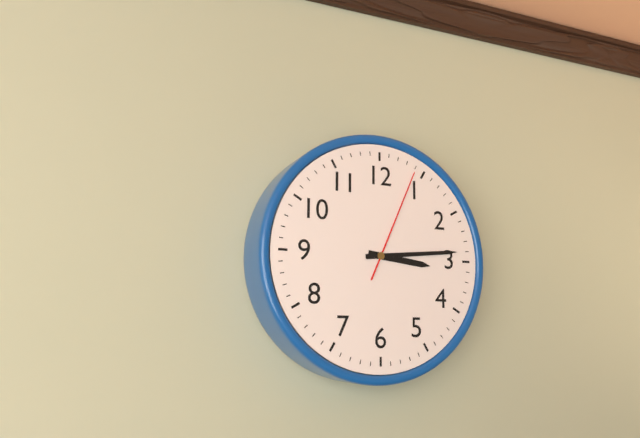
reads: 3,14,04
